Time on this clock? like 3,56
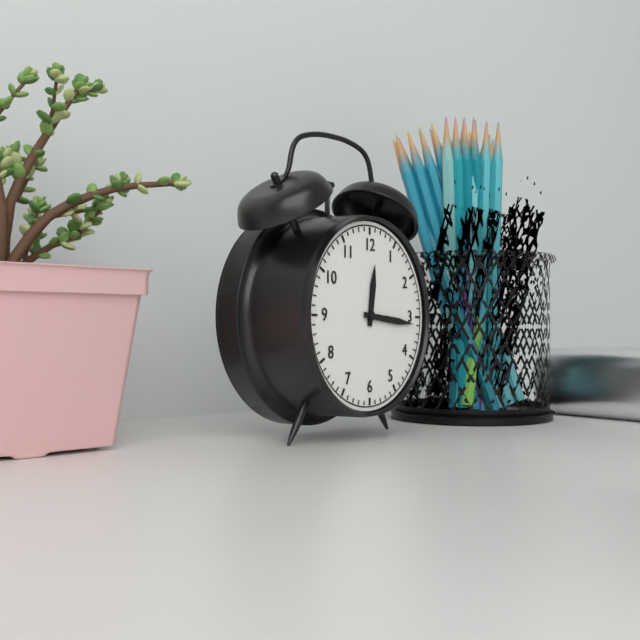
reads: 12,16
